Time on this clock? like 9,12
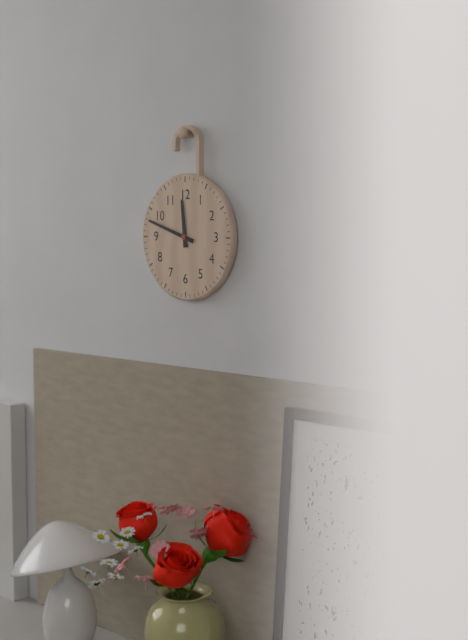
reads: 11,48
